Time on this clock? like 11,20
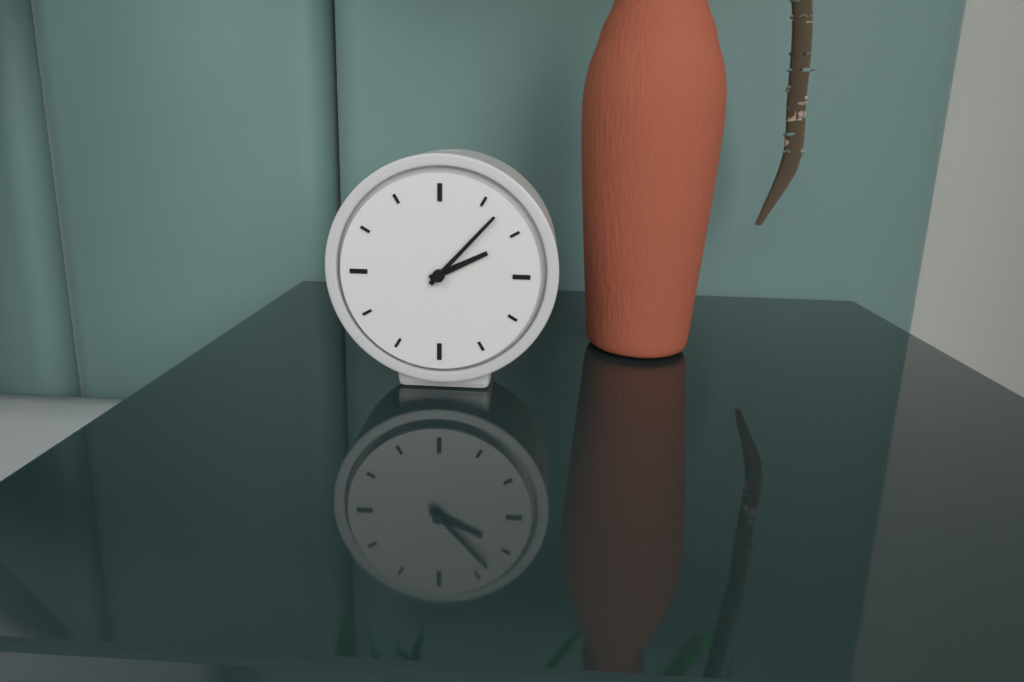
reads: 2,07
